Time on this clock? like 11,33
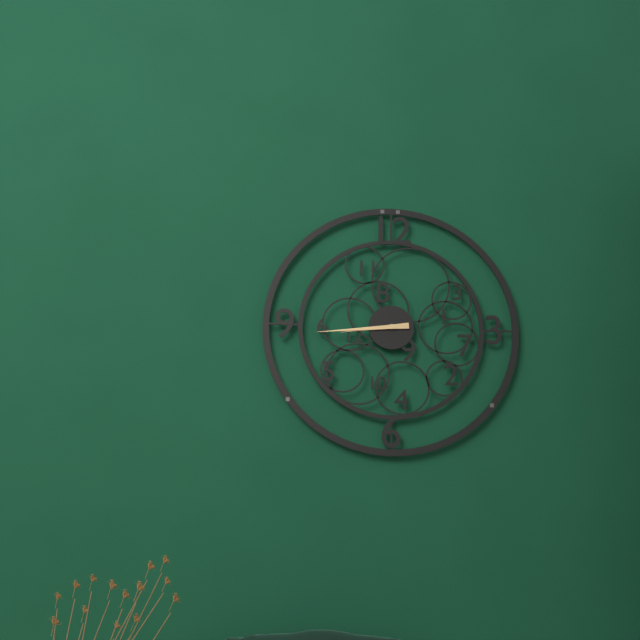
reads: 8,44
